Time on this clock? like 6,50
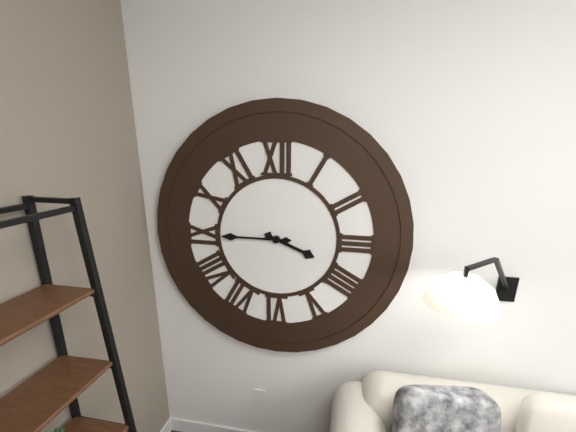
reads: 3,45
